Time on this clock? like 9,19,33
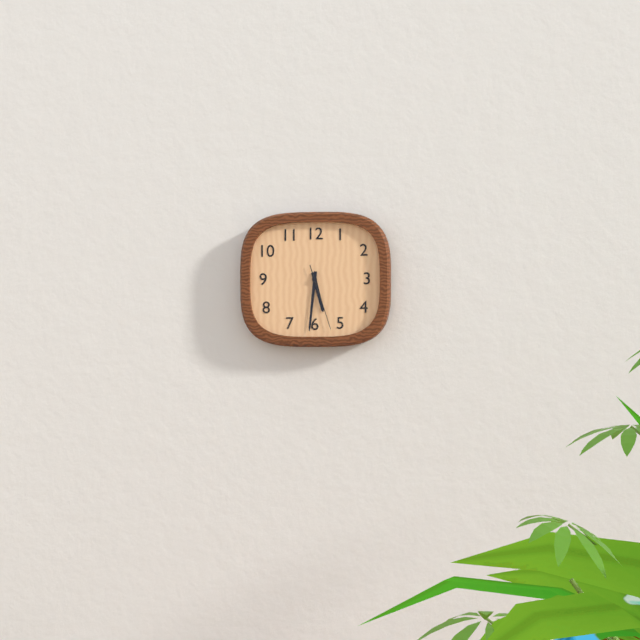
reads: 5,31,27
